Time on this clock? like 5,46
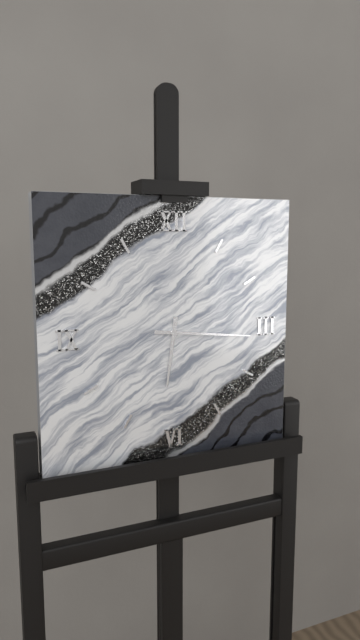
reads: 6,16
